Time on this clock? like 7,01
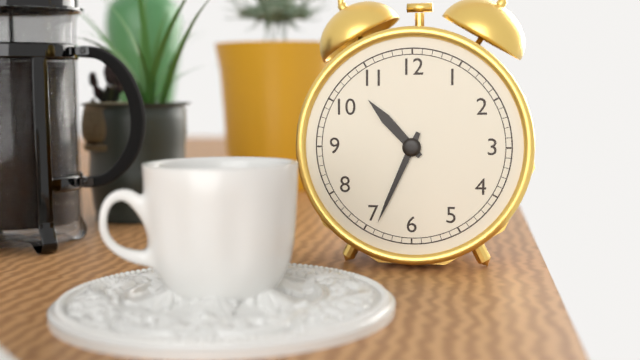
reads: 10,34
